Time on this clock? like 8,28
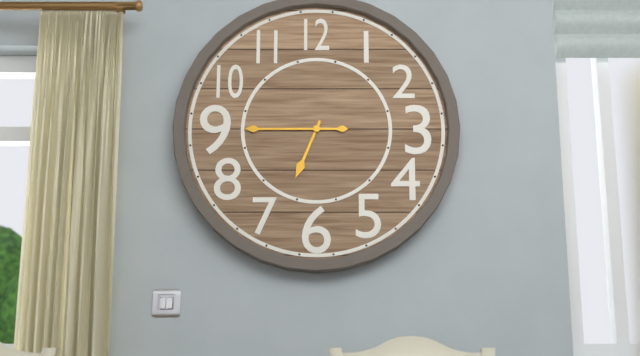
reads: 6,45
